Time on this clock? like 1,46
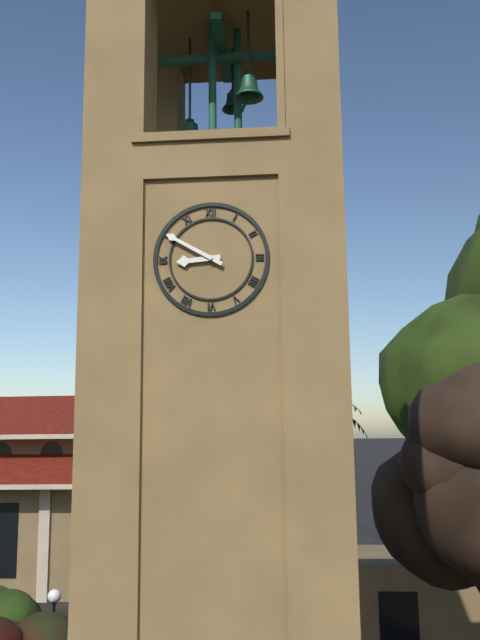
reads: 8,50
